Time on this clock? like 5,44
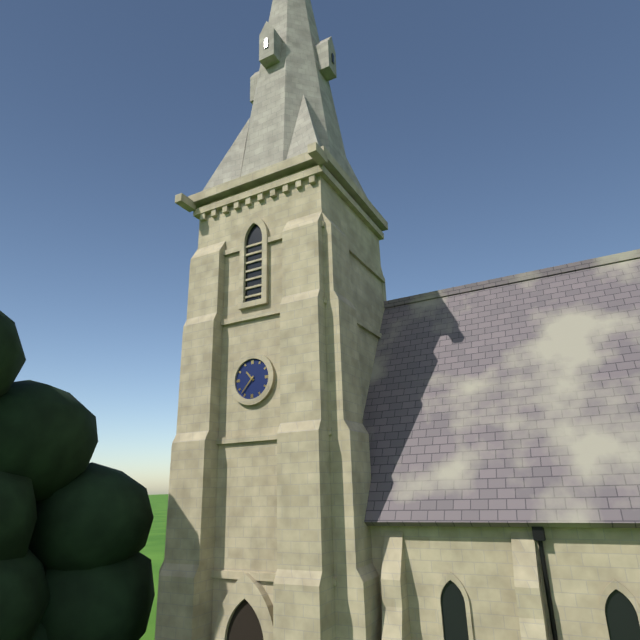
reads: 10,37
